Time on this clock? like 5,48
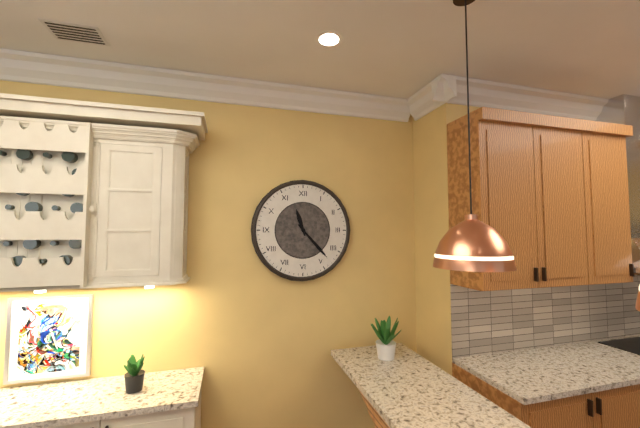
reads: 11,23
